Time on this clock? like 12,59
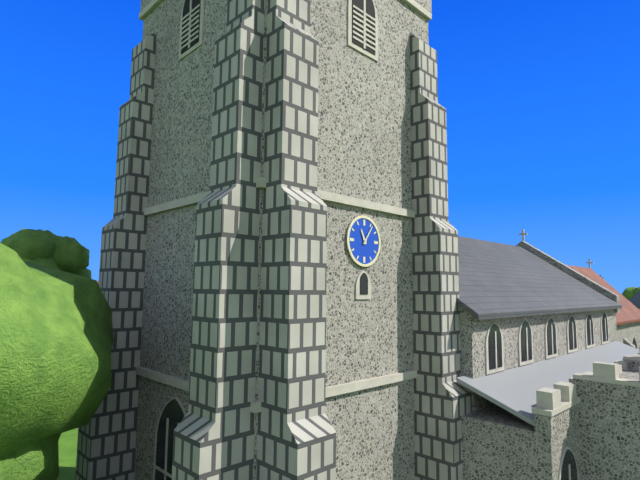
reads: 11,06
